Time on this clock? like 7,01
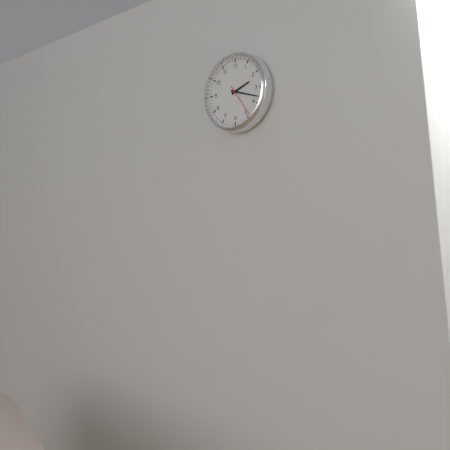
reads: 2,18
